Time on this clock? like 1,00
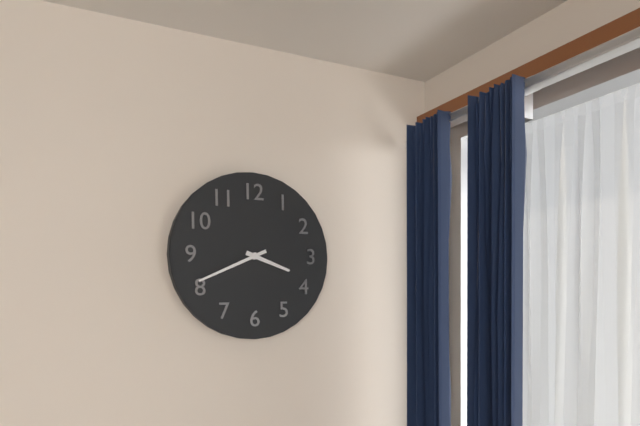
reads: 3,41
